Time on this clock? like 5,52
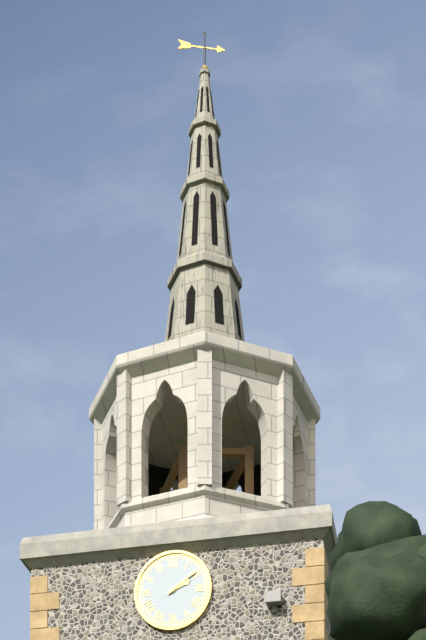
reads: 2,09
